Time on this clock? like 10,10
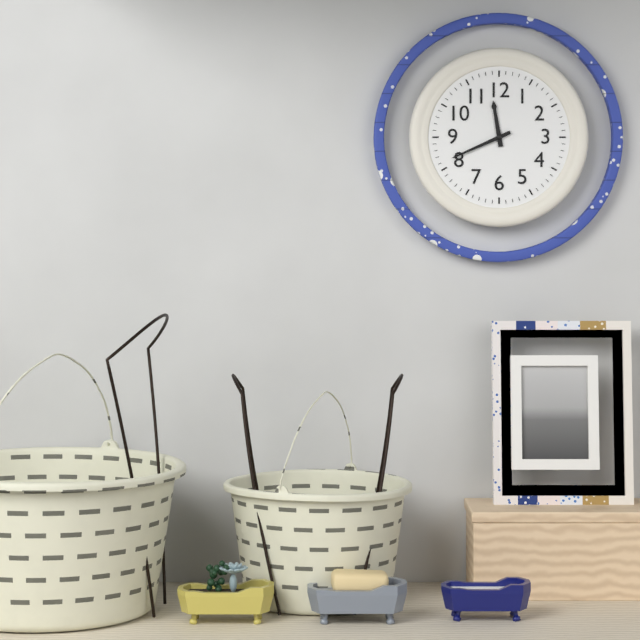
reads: 11,41
